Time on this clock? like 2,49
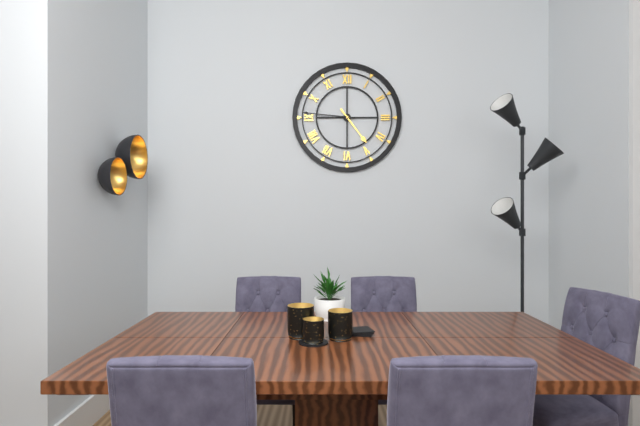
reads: 4,46
